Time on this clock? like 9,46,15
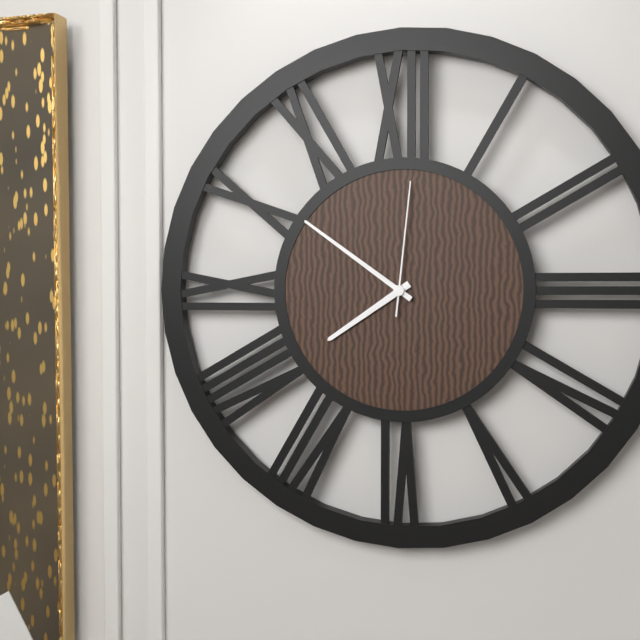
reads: 7,51,01
